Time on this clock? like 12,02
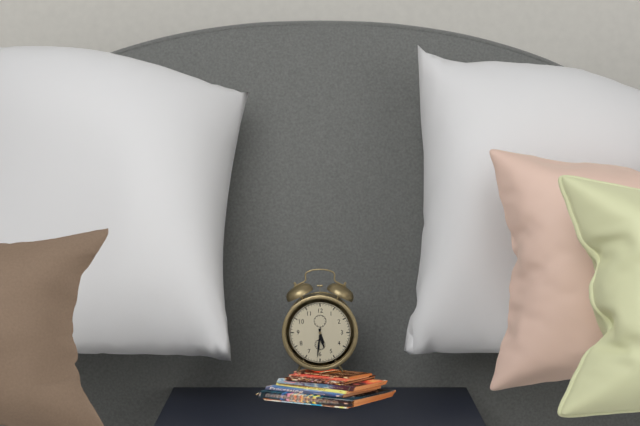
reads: 5,31
